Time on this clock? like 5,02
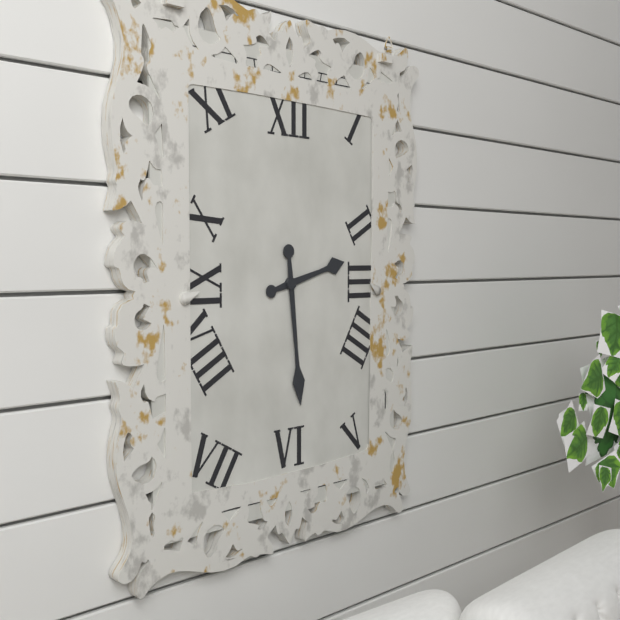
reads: 2,29
